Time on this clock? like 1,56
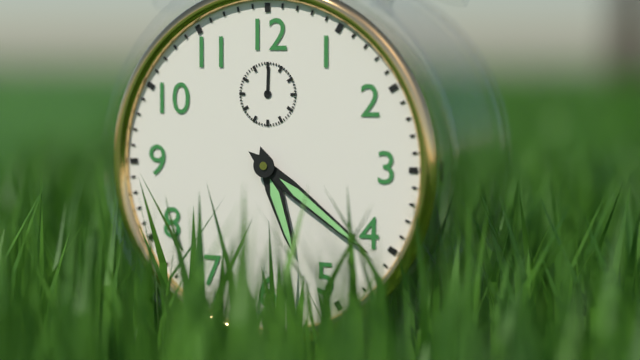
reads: 5,21
